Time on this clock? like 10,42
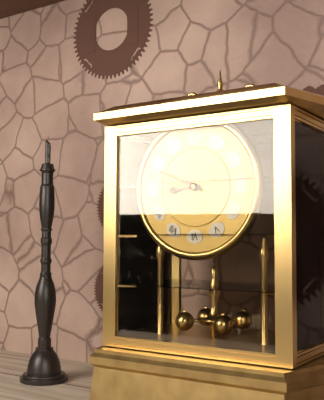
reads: 8,49
